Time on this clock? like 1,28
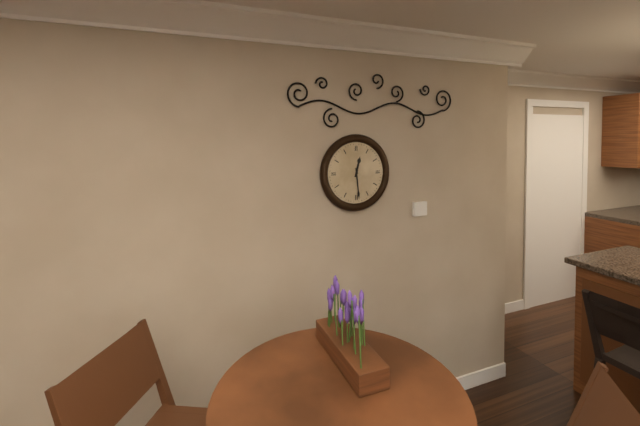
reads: 12,29
